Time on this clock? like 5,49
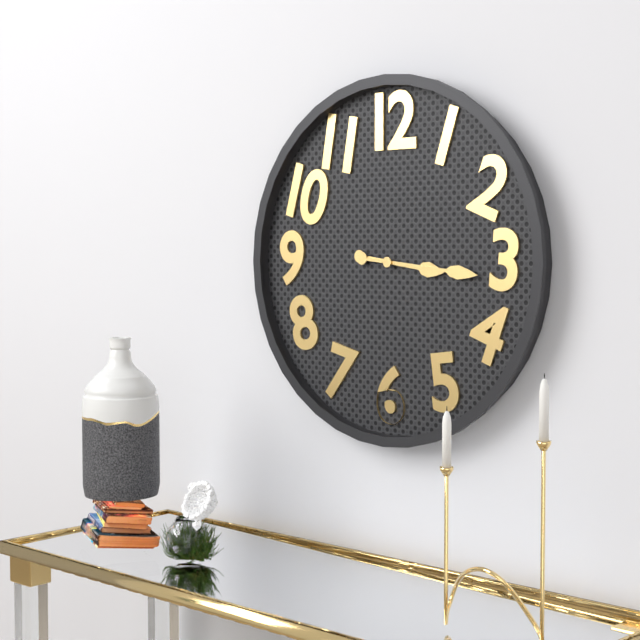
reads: 3,16
